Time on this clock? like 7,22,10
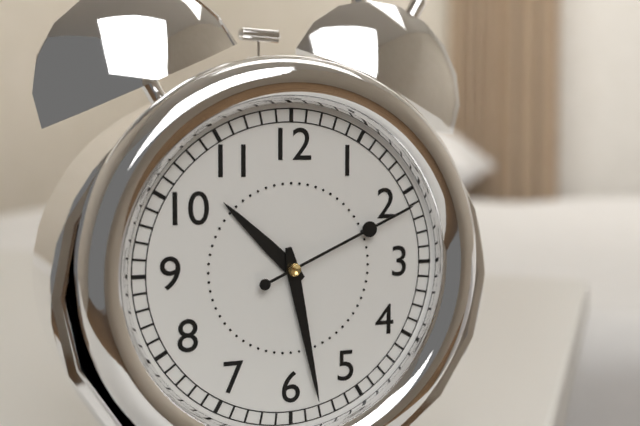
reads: 10,28,11
